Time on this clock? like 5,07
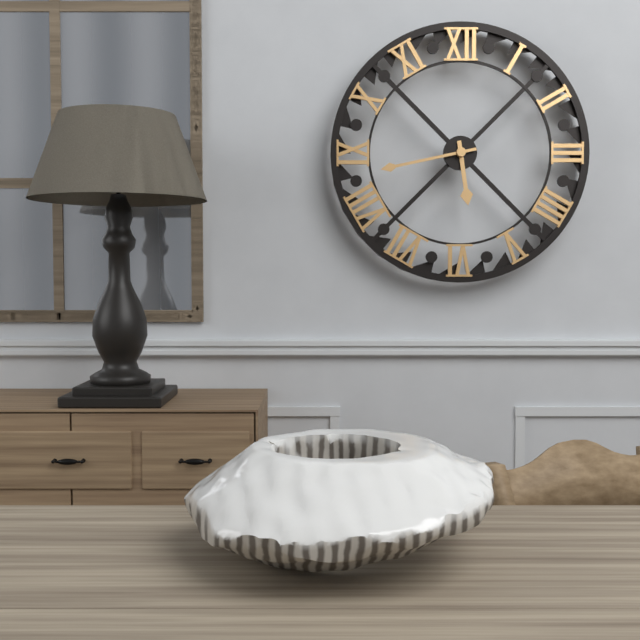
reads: 5,43
